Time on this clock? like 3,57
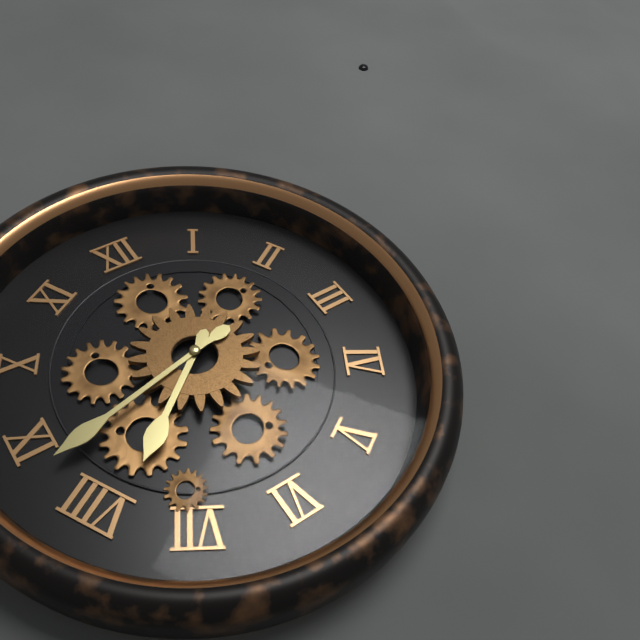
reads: 7,43
